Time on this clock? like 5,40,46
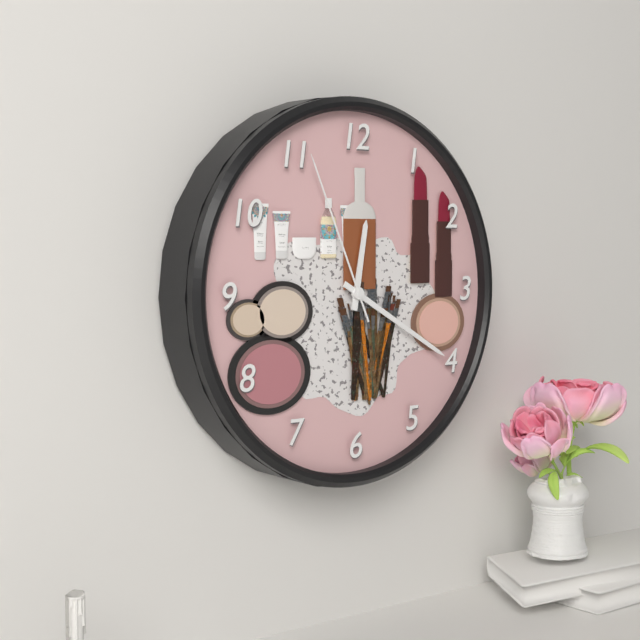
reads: 12,20,56
